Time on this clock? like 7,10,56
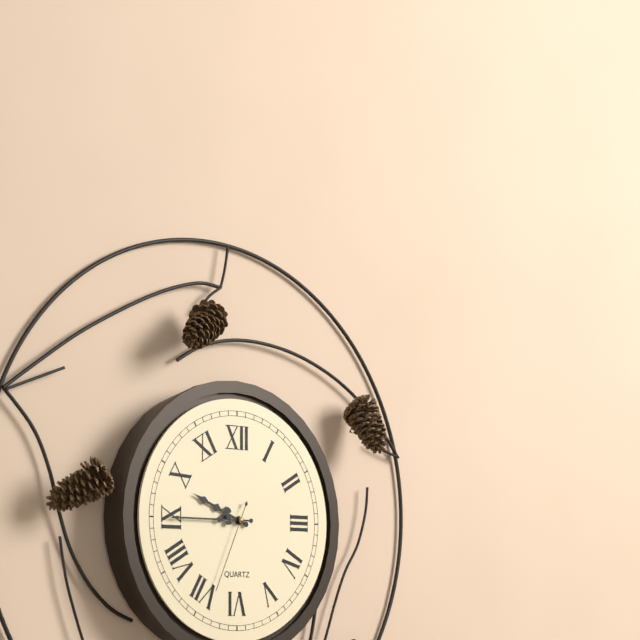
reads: 9,45,34
